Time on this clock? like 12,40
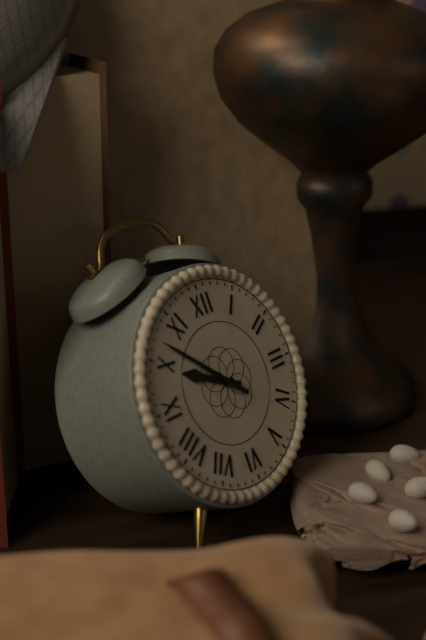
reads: 9,52
